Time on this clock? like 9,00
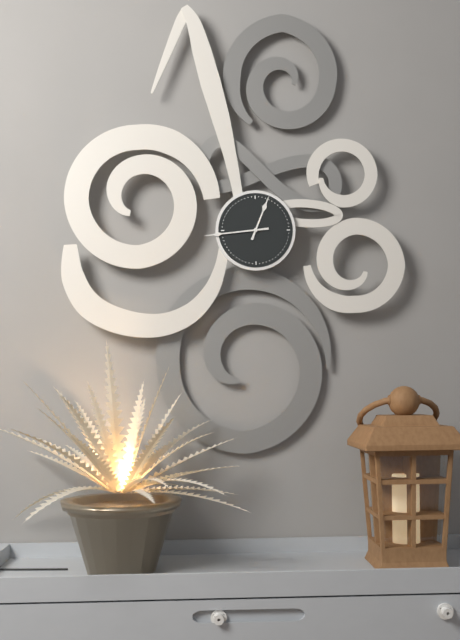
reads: 12,44
